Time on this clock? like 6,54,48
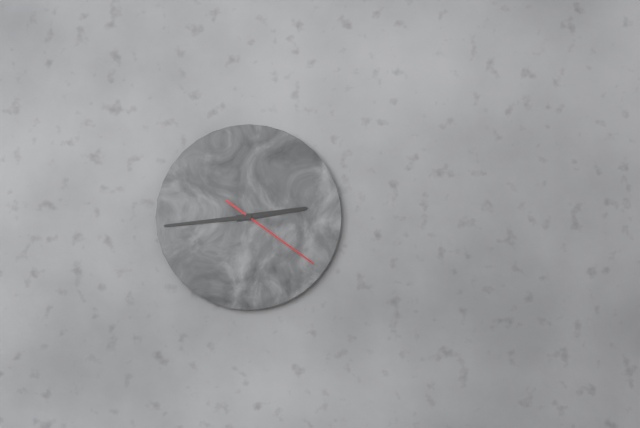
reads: 2,44,21
